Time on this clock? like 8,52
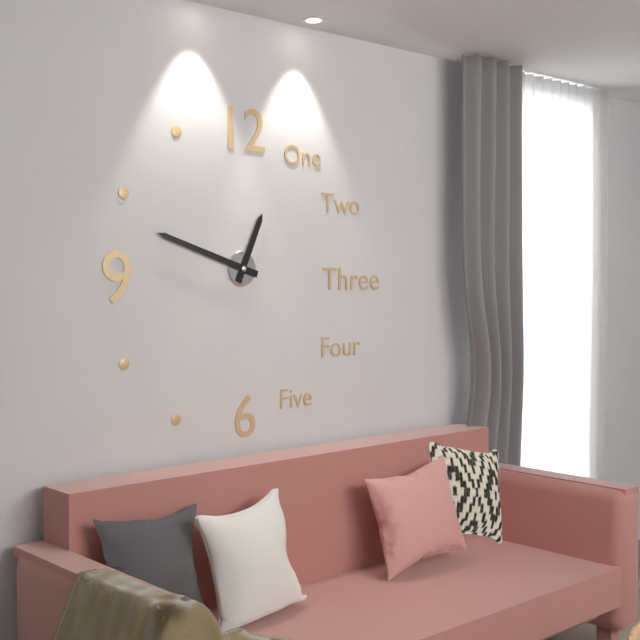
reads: 12,48
